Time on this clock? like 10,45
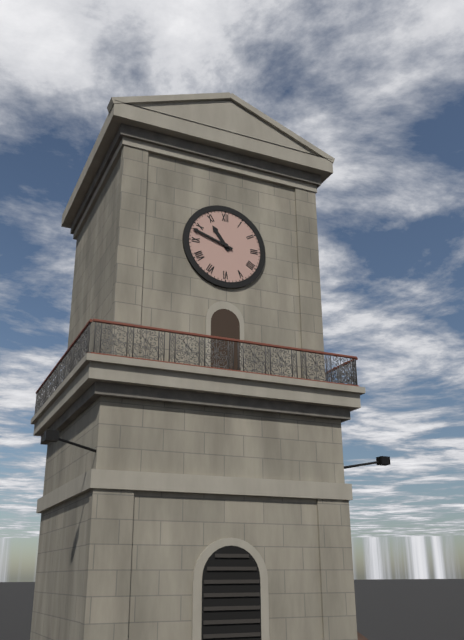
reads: 10,48
